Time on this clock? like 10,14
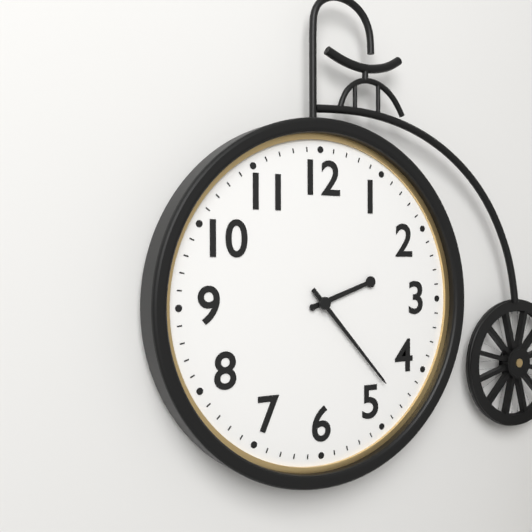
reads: 2,23
